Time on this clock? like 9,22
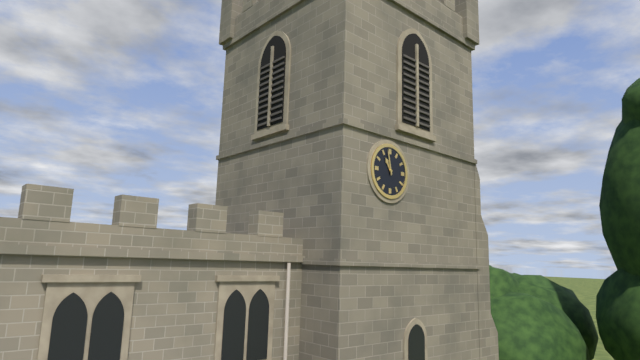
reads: 10,58
